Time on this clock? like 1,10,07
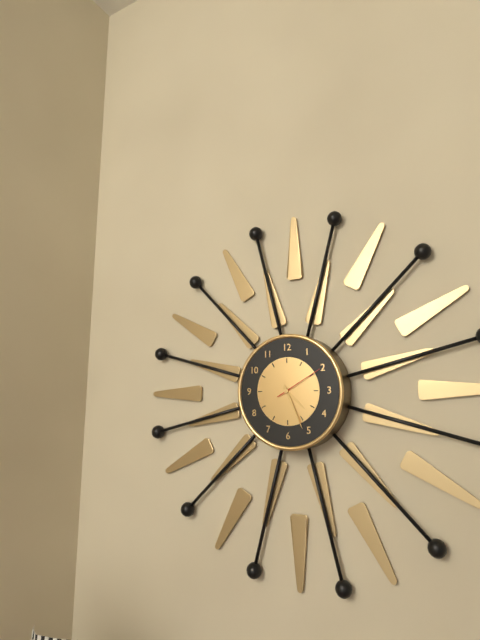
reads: 4,26,10
